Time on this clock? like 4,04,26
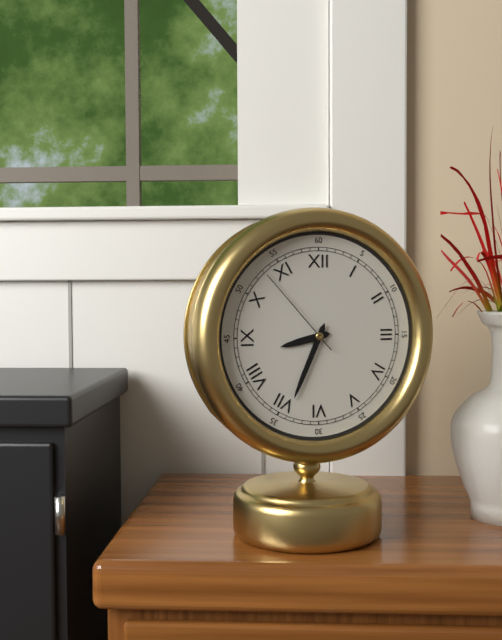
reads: 8,34,53
